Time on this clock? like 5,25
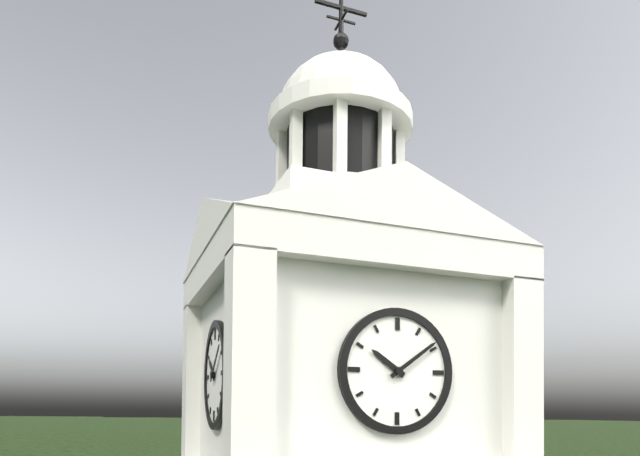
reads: 10,09
